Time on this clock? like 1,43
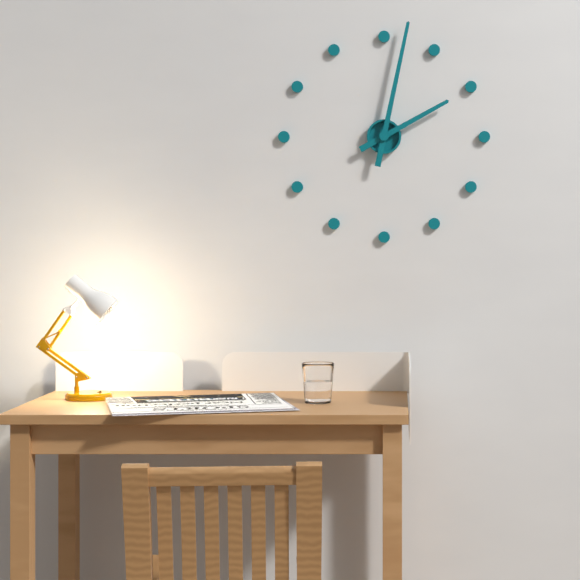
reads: 2,02
